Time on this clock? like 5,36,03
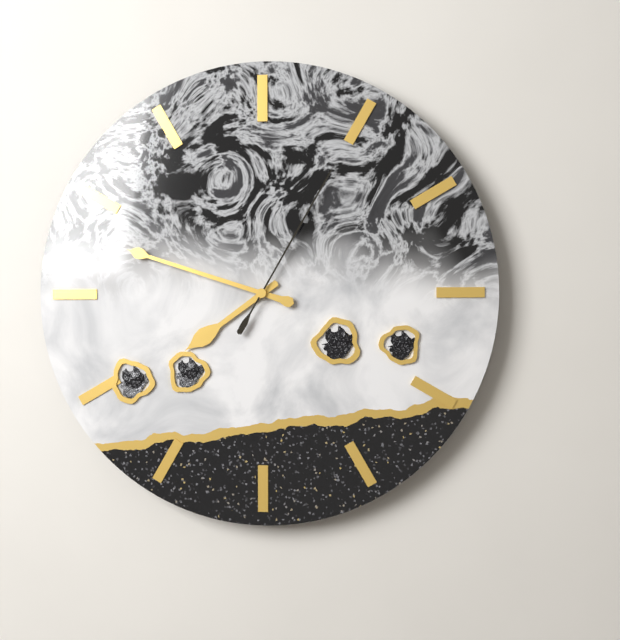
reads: 7,48,05
